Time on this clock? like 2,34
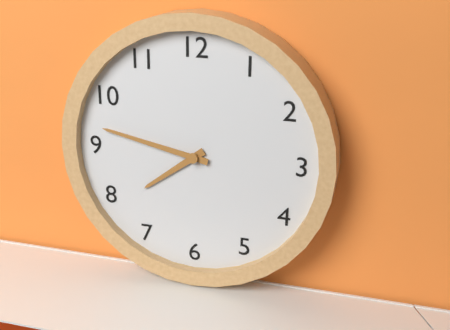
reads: 7,47
